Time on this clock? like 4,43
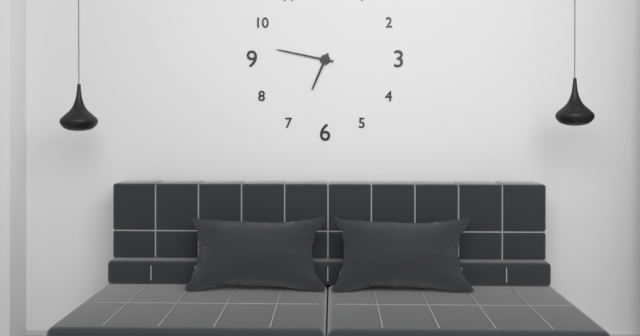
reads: 6,47
